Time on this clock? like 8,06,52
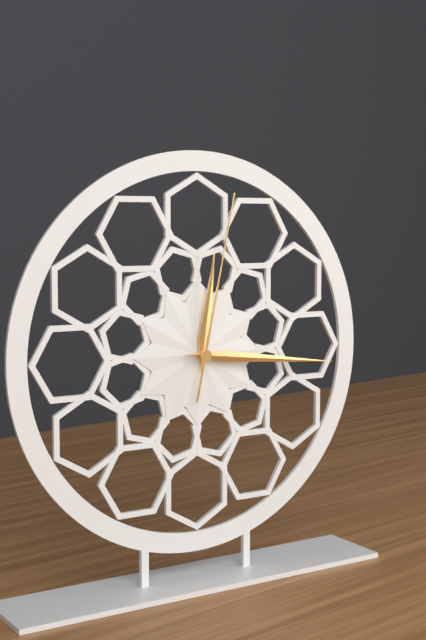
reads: 12,16,02
